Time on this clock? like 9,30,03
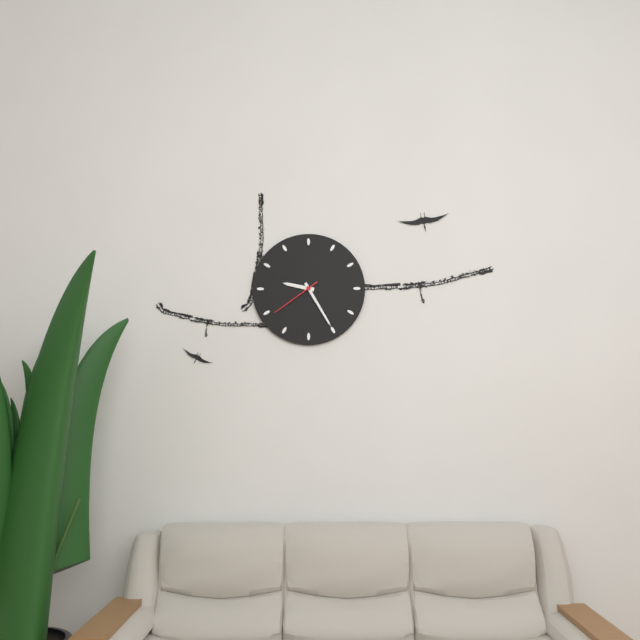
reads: 9,25,39
